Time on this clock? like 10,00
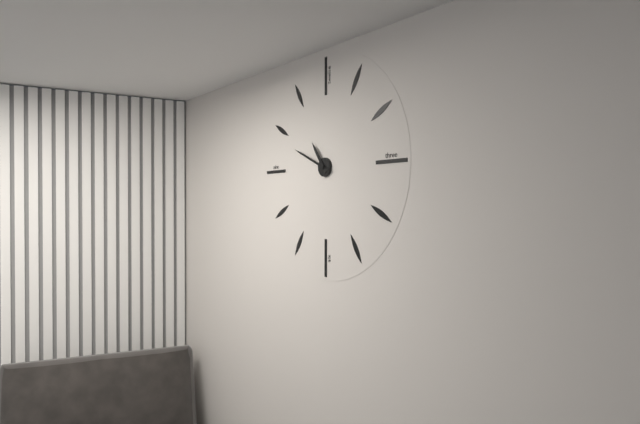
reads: 10,49
